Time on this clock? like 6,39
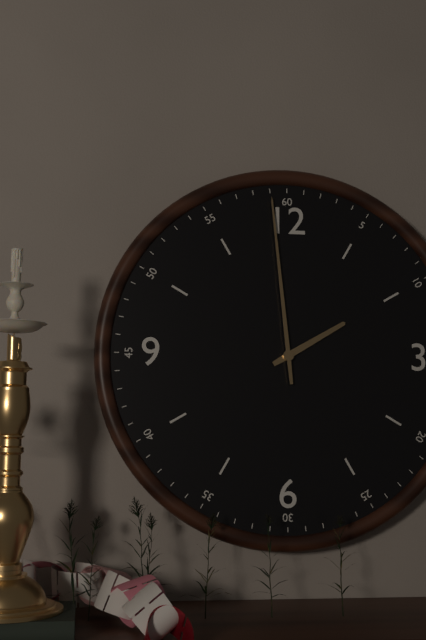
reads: 1,59
